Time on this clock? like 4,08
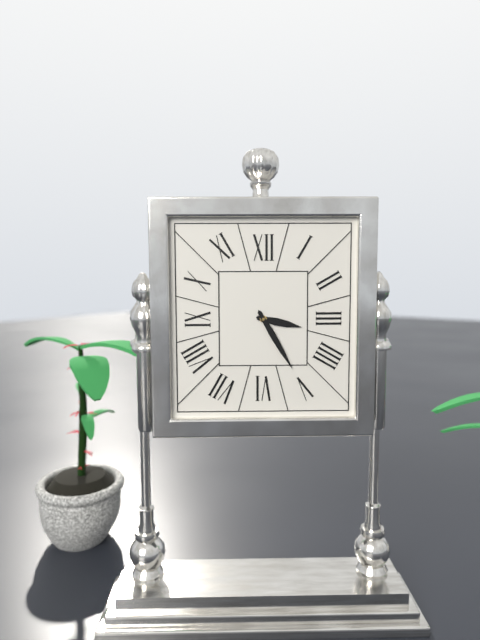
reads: 3,25
